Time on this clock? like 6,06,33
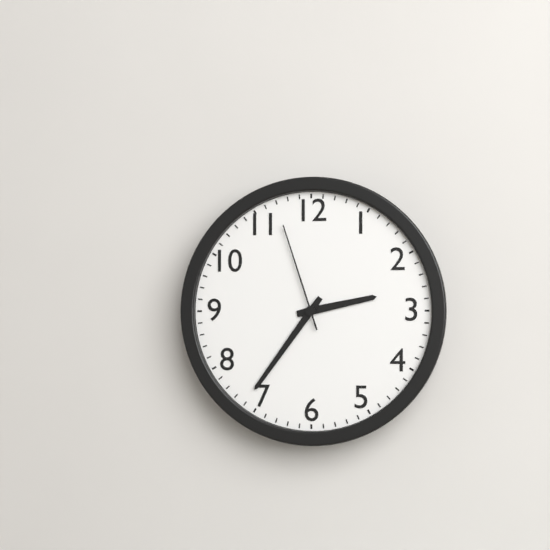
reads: 2,36,57
